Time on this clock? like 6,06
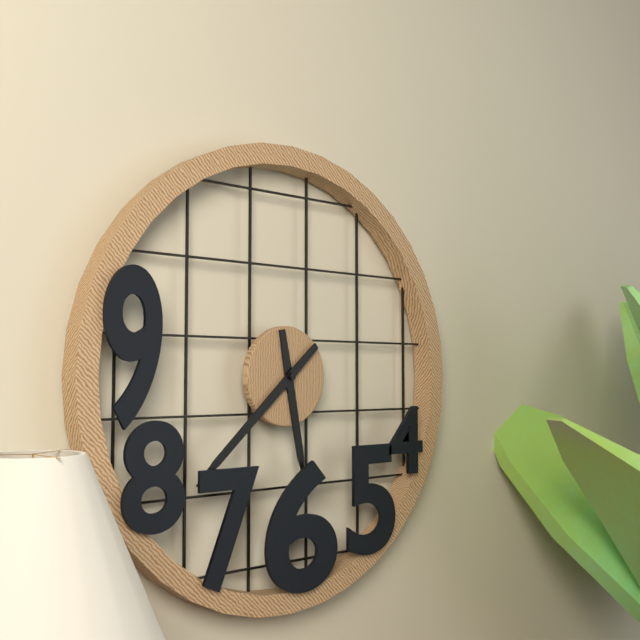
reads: 5,38
